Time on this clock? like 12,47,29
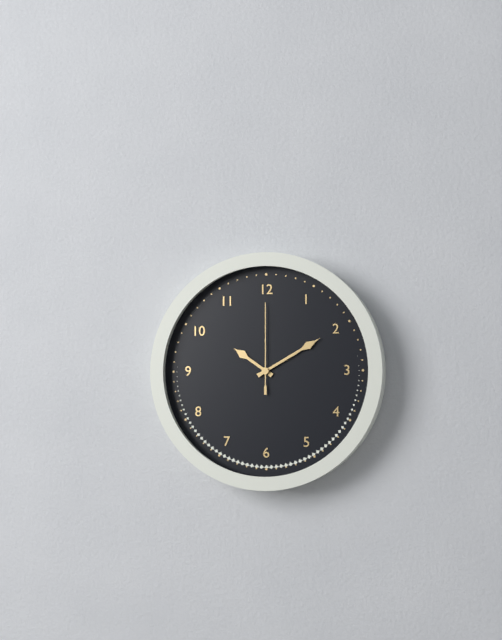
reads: 10,10,00
